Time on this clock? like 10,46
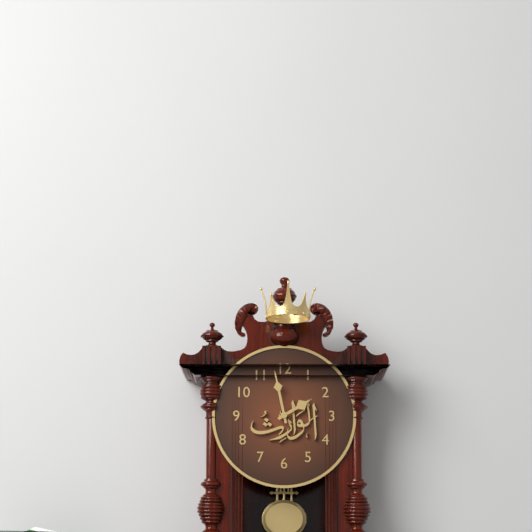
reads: 1,58
